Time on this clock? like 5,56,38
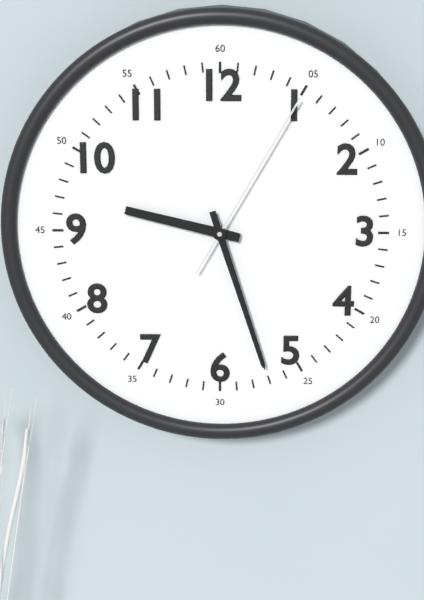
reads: 9,27,05
